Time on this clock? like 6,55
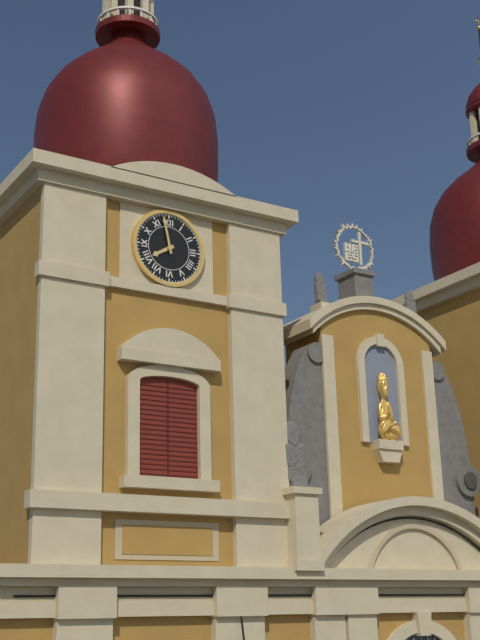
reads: 7,58
